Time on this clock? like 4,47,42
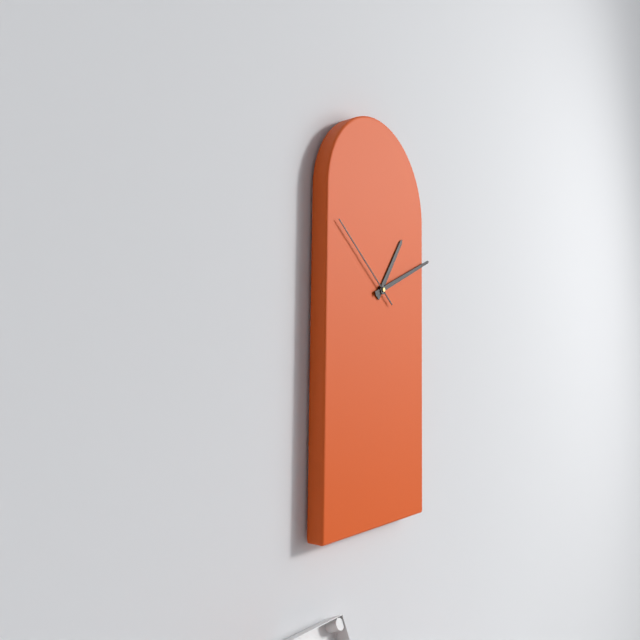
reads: 1,11,51
